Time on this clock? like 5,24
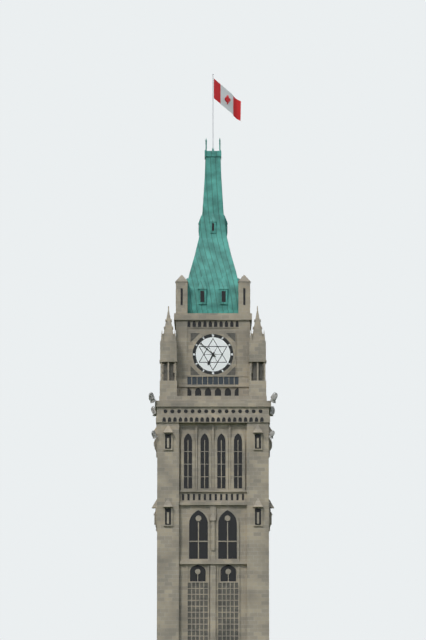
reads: 6,52
